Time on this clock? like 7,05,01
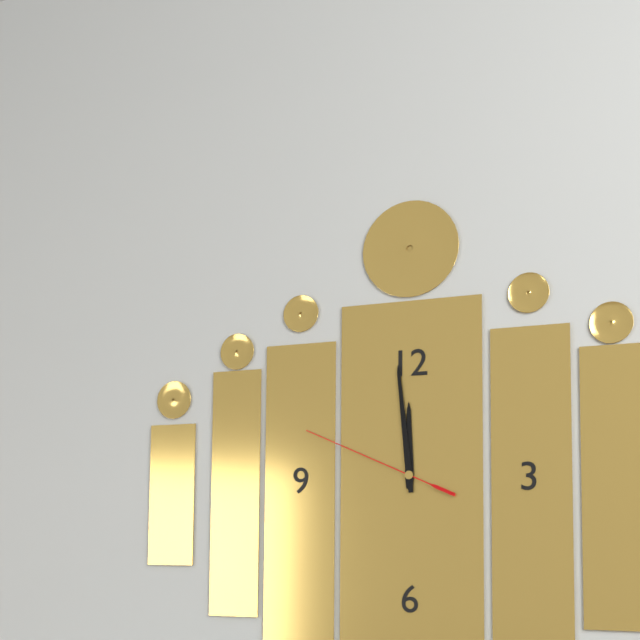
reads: 11,59,49
